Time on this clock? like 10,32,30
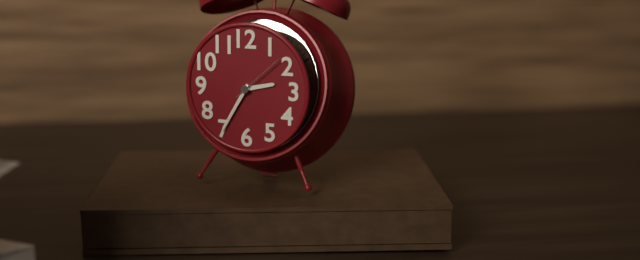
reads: 2,35,08
